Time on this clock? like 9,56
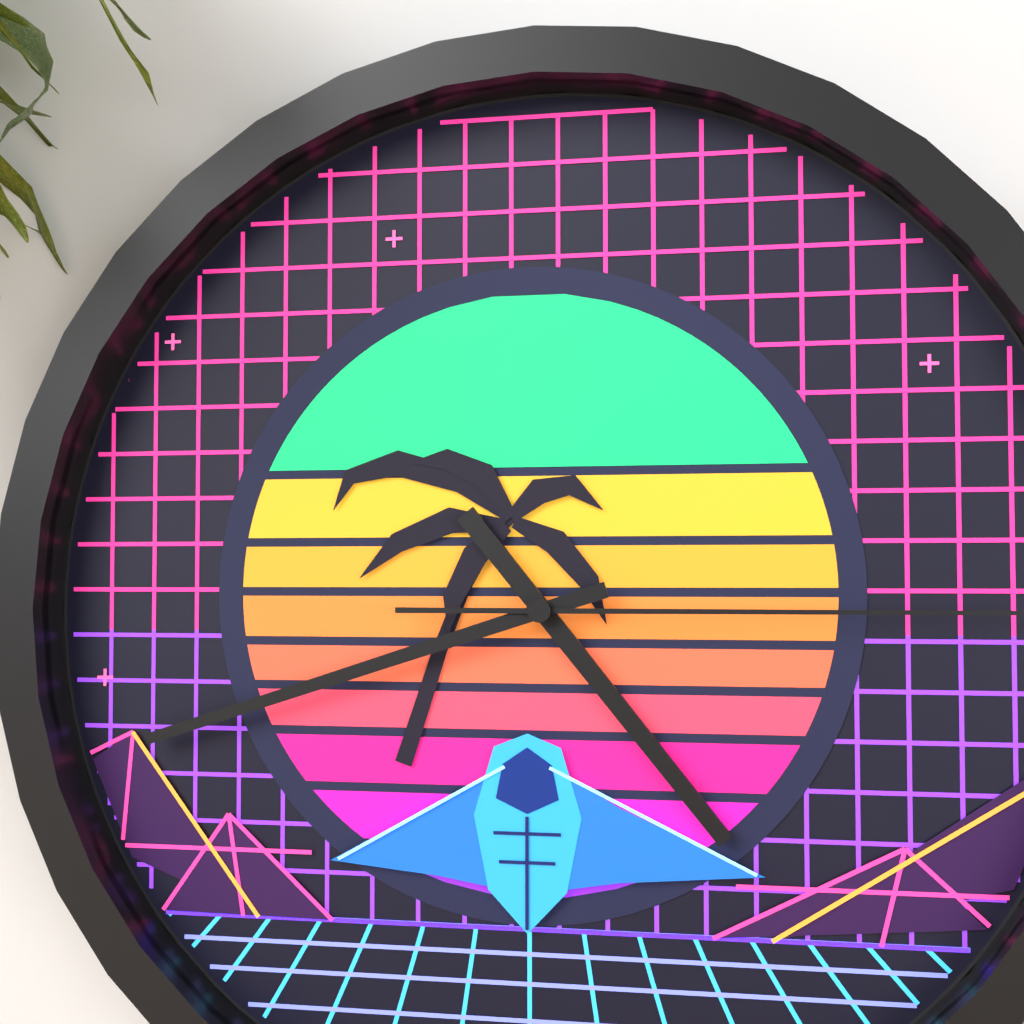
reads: 4,42
